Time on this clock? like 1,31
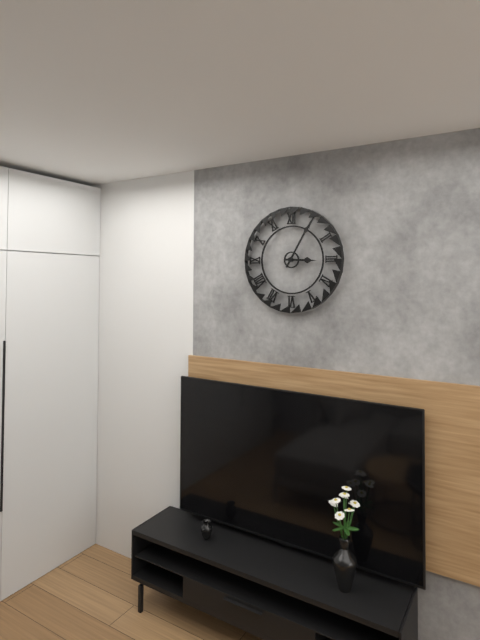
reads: 3,05
